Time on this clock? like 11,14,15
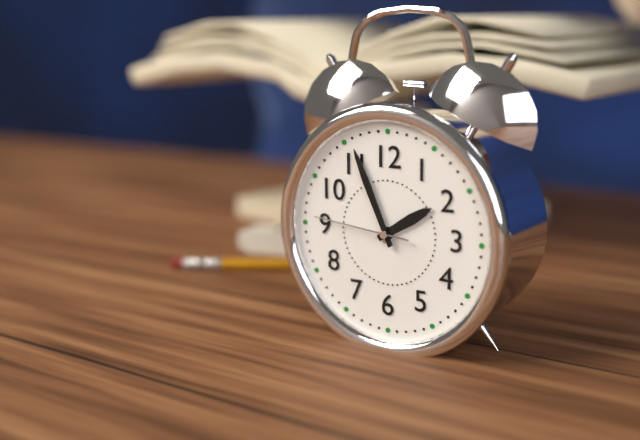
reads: 1,56,46
